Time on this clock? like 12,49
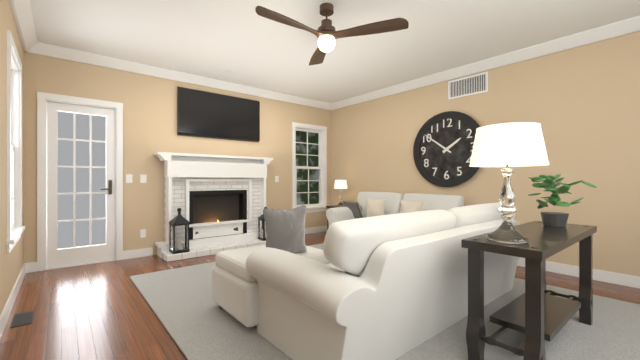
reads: 1,51
